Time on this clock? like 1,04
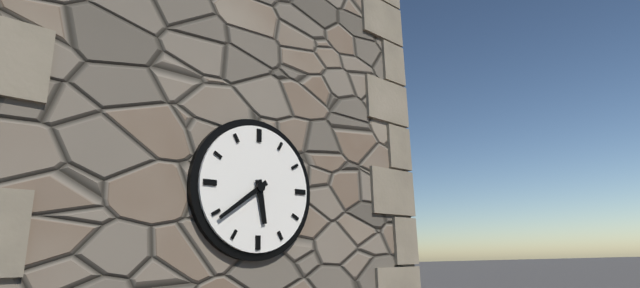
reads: 5,39
